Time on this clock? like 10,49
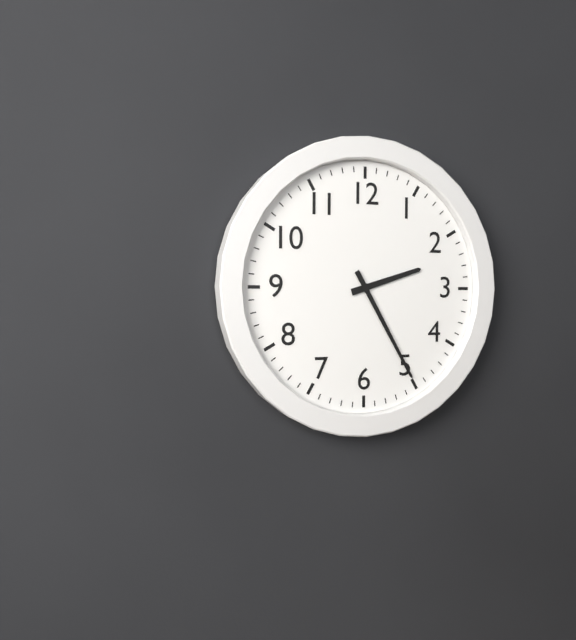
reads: 2,25
